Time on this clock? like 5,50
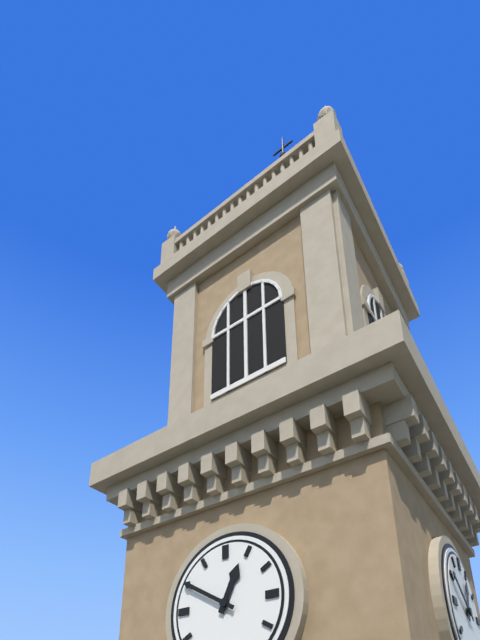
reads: 12,50
